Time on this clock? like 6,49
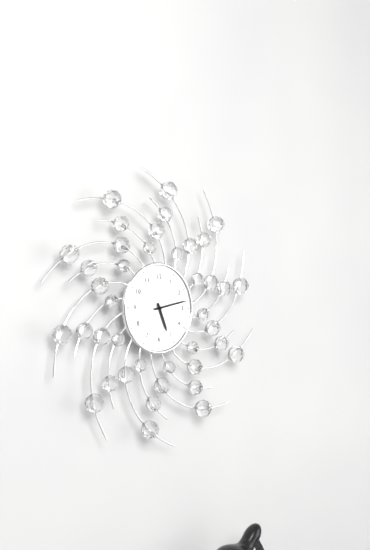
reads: 5,13
